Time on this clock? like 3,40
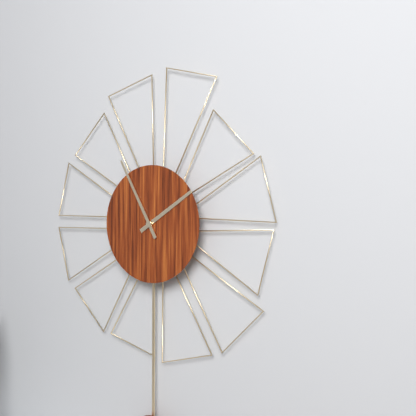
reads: 1,55
